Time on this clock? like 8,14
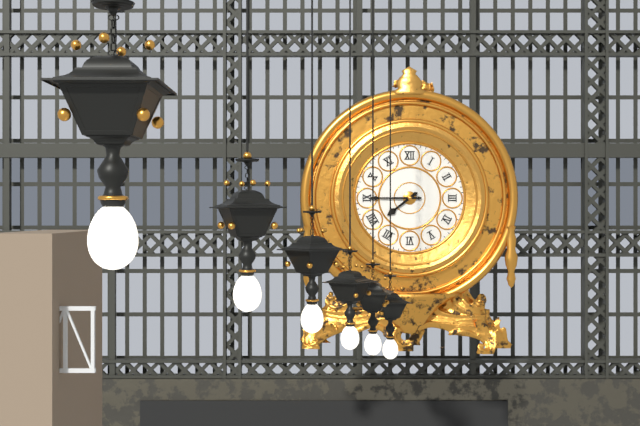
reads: 7,45
